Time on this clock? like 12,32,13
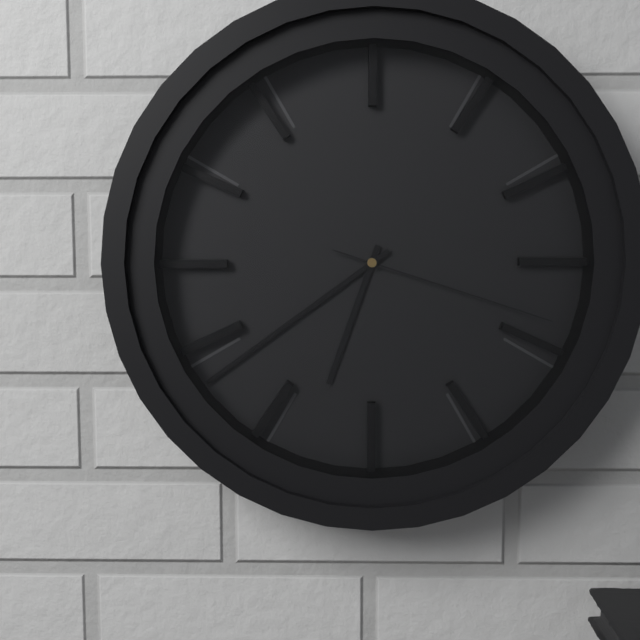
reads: 6,39,18
